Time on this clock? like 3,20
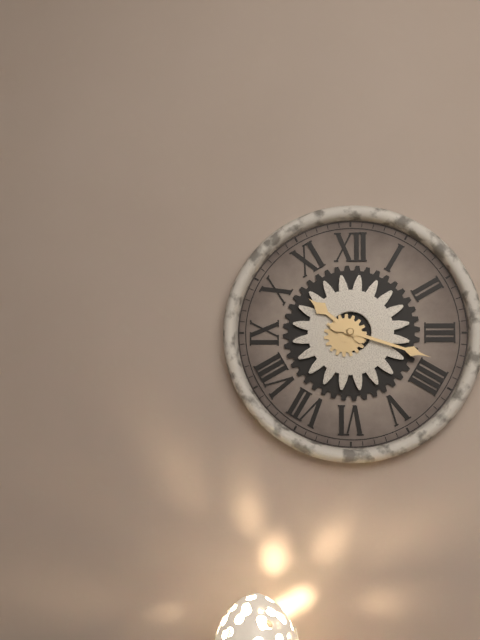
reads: 10,18
